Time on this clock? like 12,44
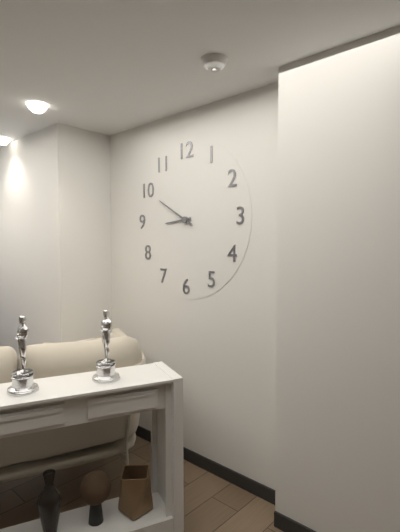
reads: 8,50
